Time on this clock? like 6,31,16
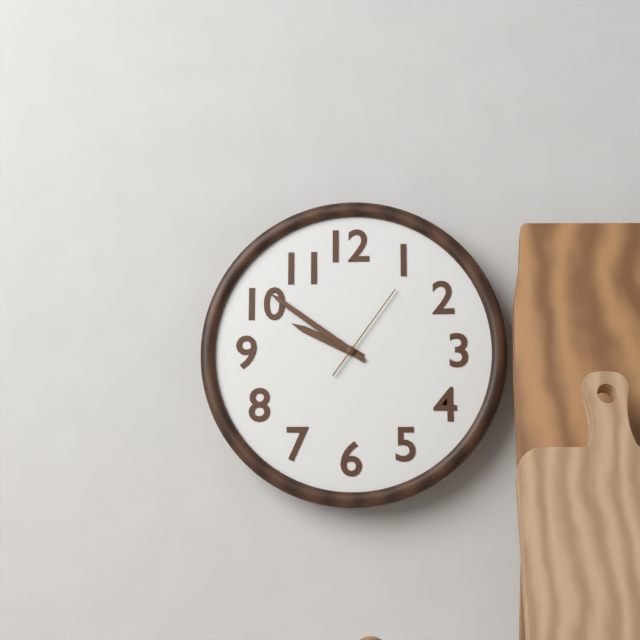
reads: 9,51,06
